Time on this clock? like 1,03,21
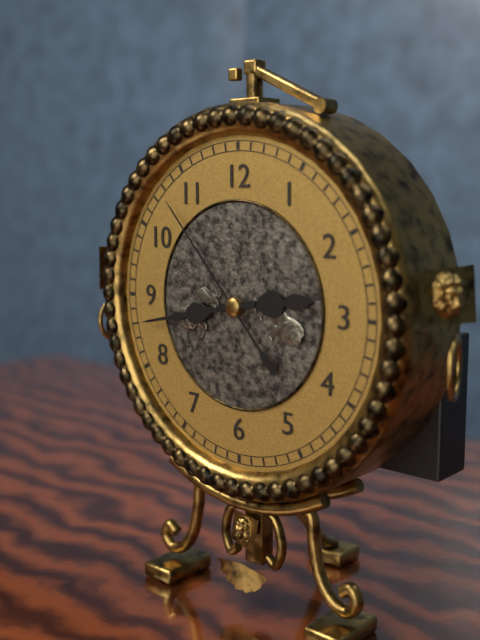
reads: 2,43,53
